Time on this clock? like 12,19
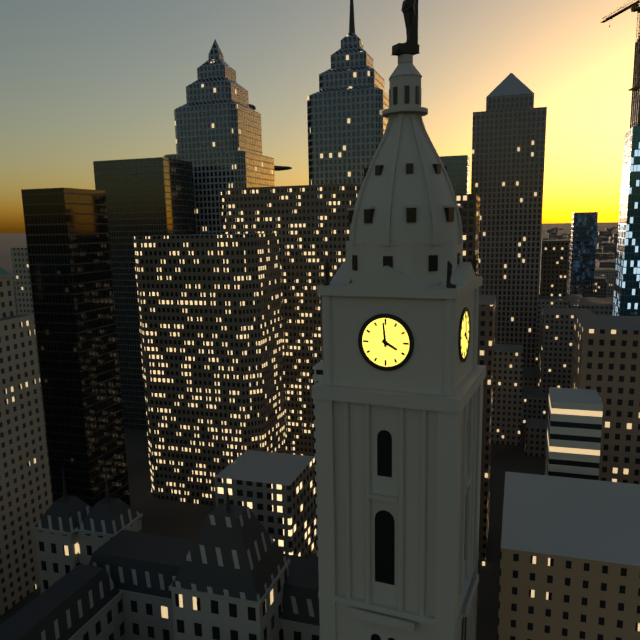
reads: 3,59
